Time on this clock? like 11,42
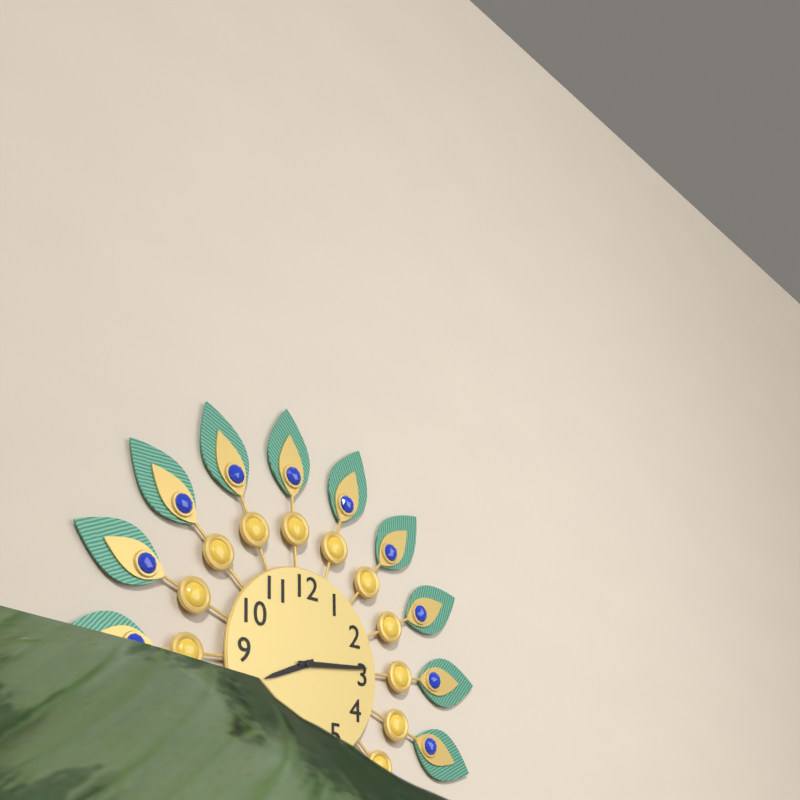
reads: 8,14
